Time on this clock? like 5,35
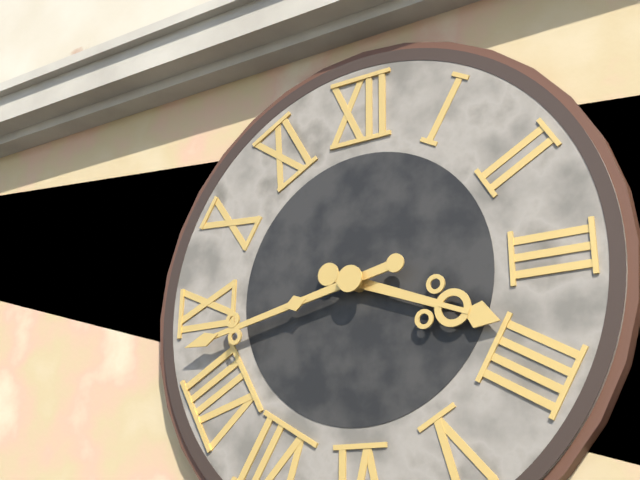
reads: 3,43
